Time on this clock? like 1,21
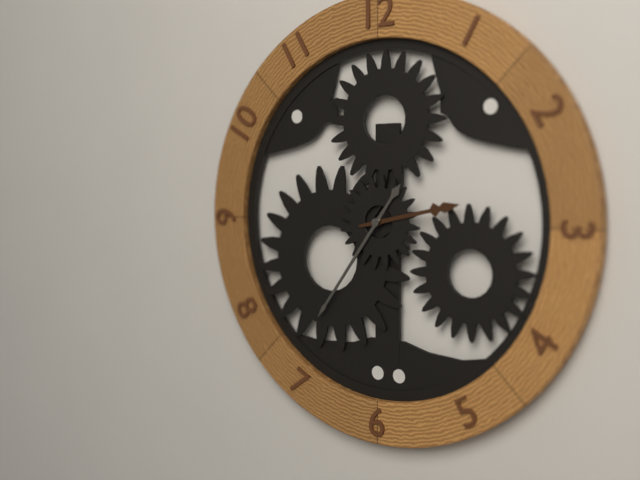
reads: 2,36
